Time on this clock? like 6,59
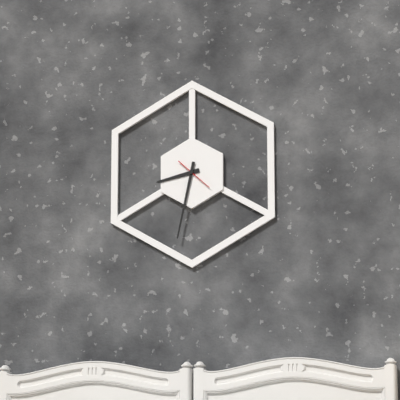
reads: 8,32
